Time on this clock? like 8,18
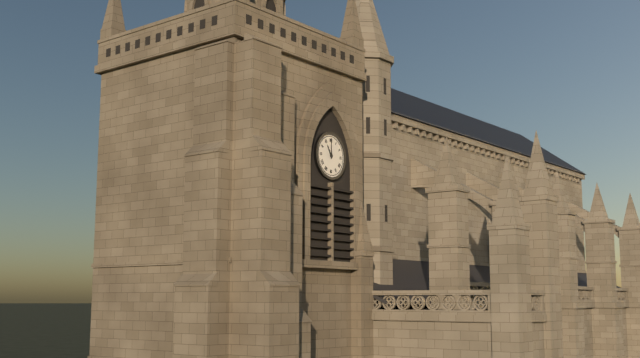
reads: 11,00
